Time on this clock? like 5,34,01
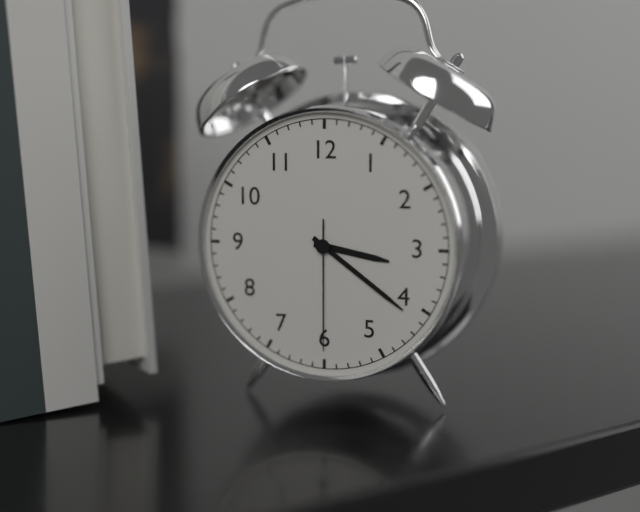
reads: 3,21,30
